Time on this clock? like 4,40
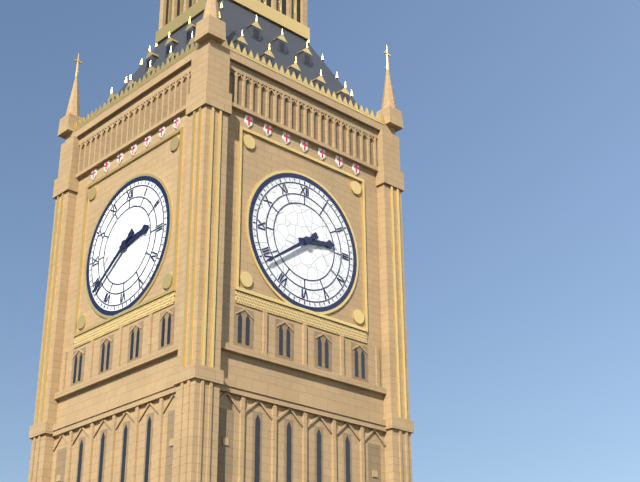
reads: 2,39
